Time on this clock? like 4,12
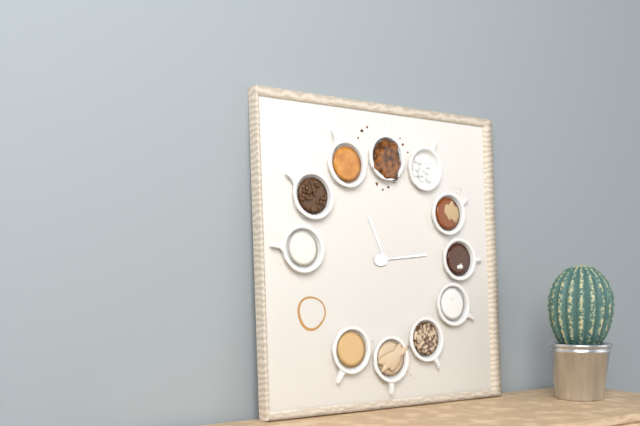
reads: 11,14
